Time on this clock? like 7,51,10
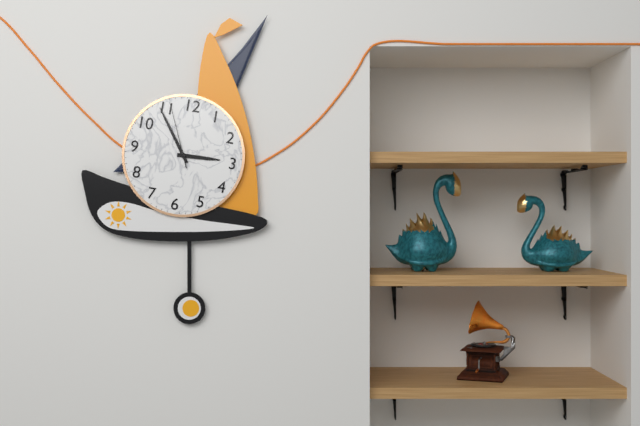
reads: 2,54,56
